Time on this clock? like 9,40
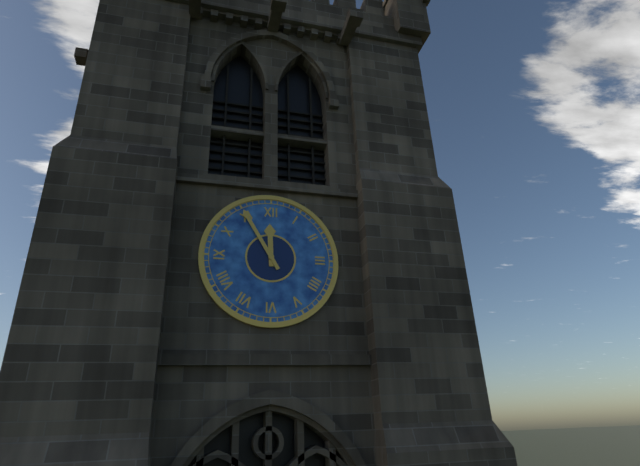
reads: 11,55
